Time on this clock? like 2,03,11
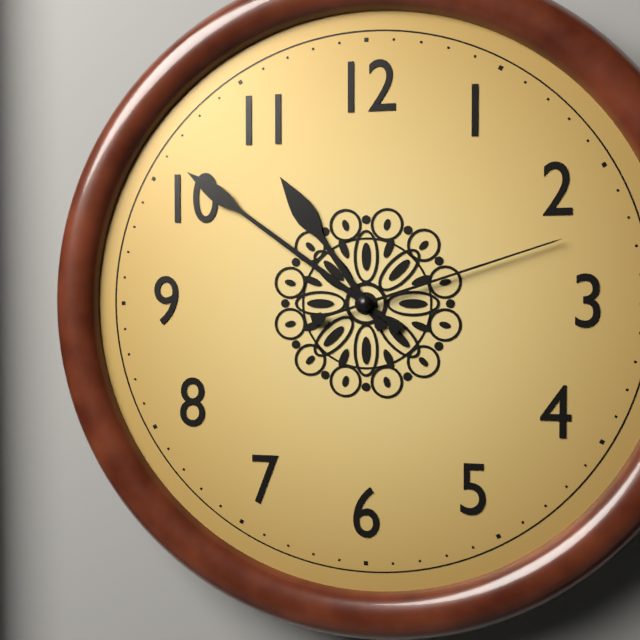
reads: 10,51,12
